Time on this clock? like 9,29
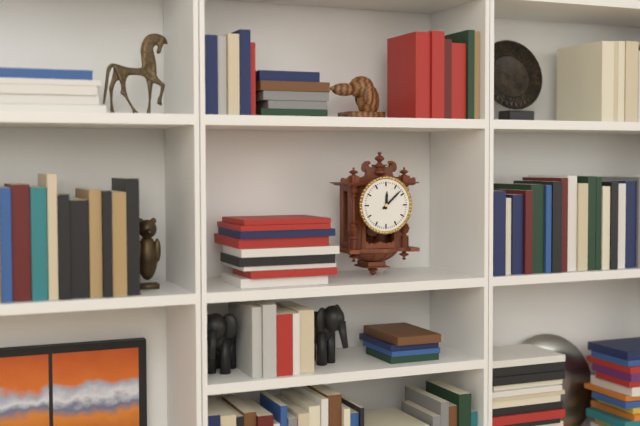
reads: 12,08
